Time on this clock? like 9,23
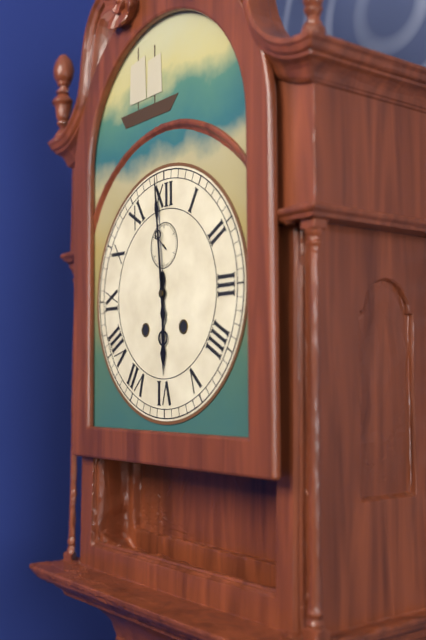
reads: 5,59
